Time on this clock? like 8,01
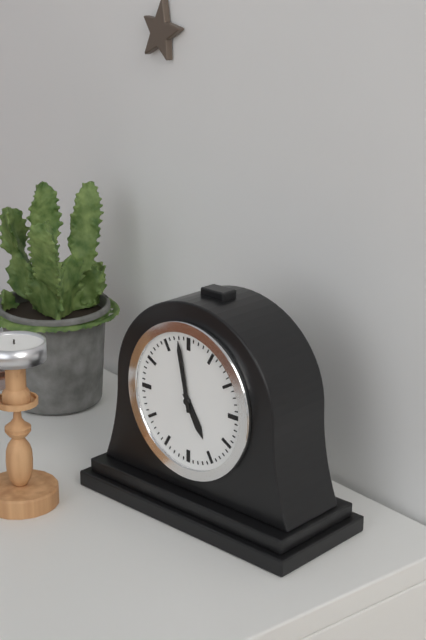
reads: 4,58
